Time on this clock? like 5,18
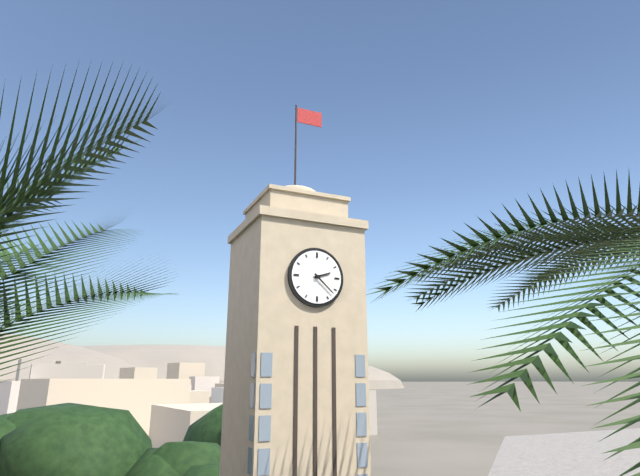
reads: 2,22
